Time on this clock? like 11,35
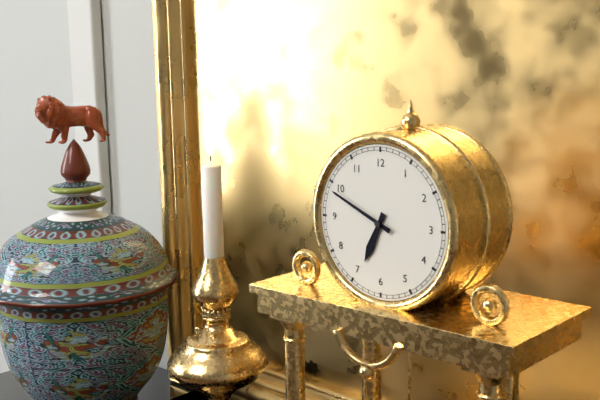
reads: 6,49
